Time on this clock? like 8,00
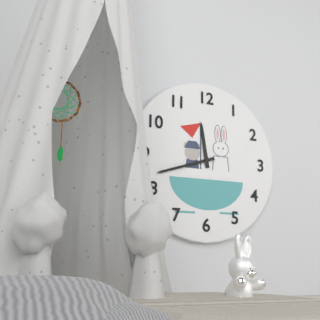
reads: 11,42
